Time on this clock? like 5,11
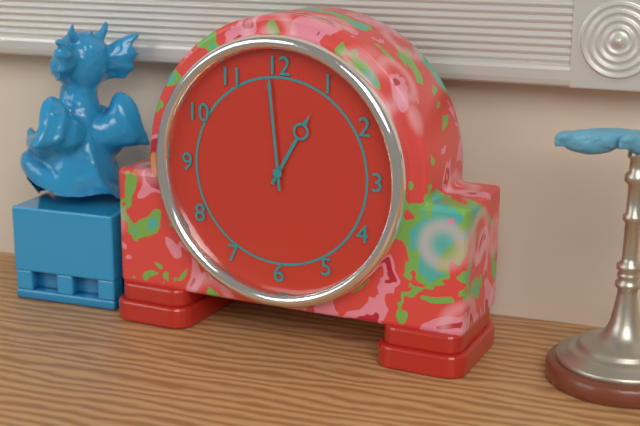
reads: 12,59
